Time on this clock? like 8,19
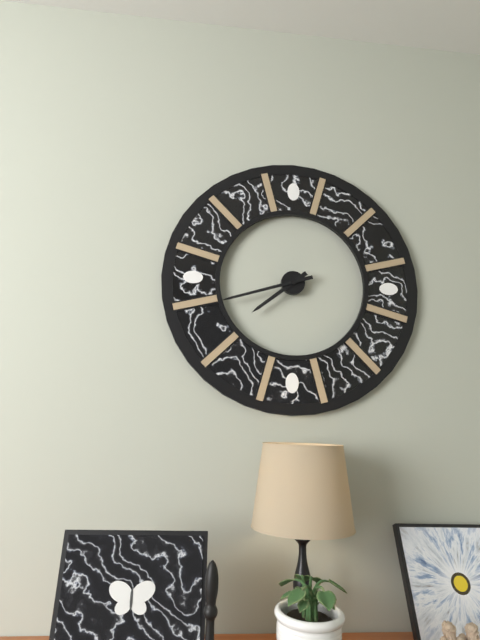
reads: 7,42
